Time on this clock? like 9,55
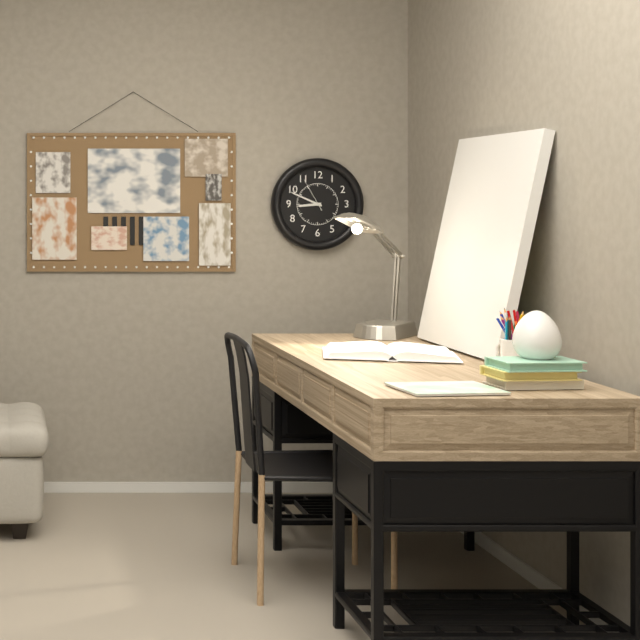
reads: 8,49
